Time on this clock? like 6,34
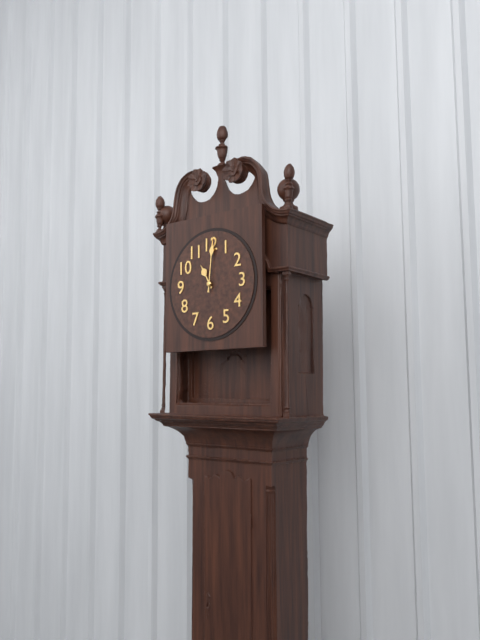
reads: 11,01
